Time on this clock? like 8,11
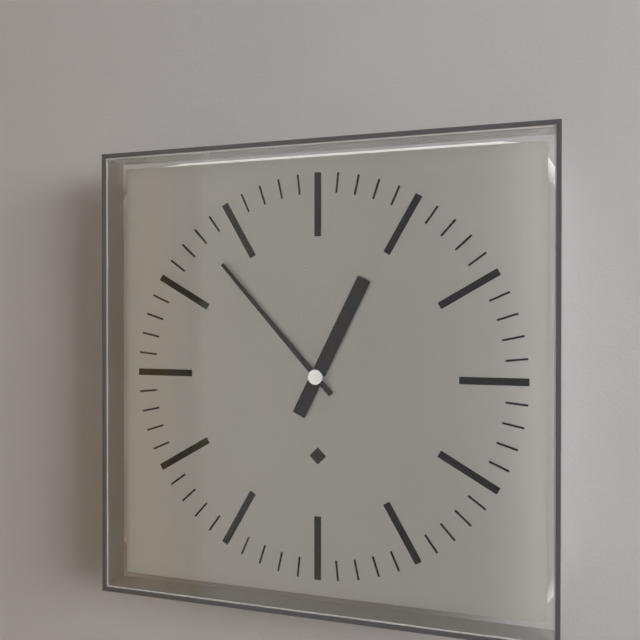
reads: 12,53
